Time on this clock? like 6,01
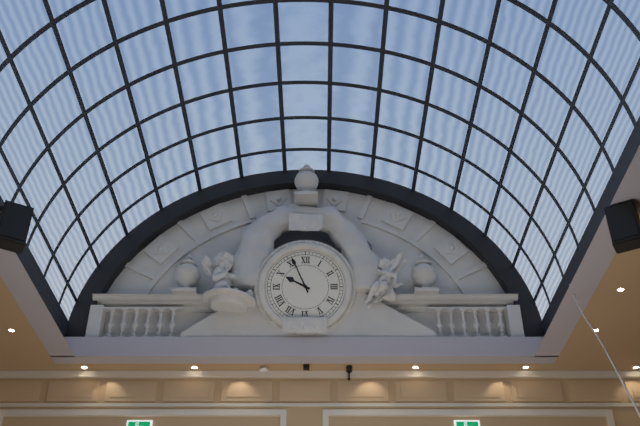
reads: 9,56
